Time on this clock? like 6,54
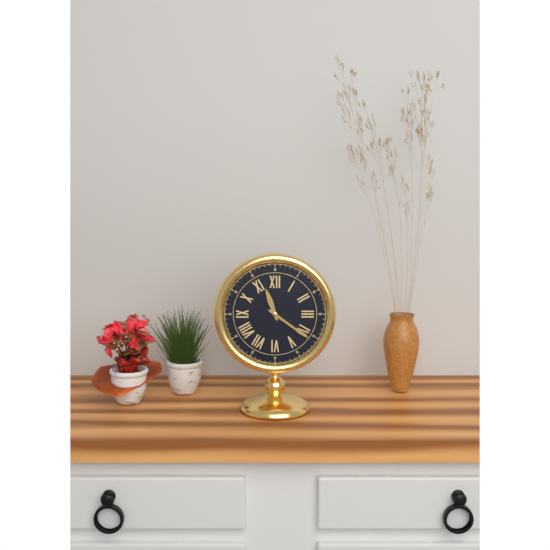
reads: 11,21
